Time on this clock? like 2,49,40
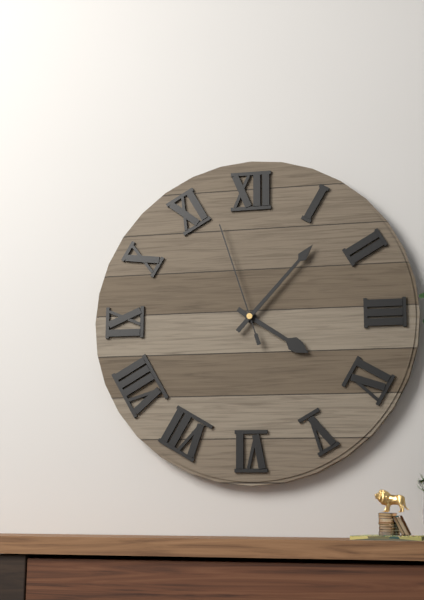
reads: 4,07,57
